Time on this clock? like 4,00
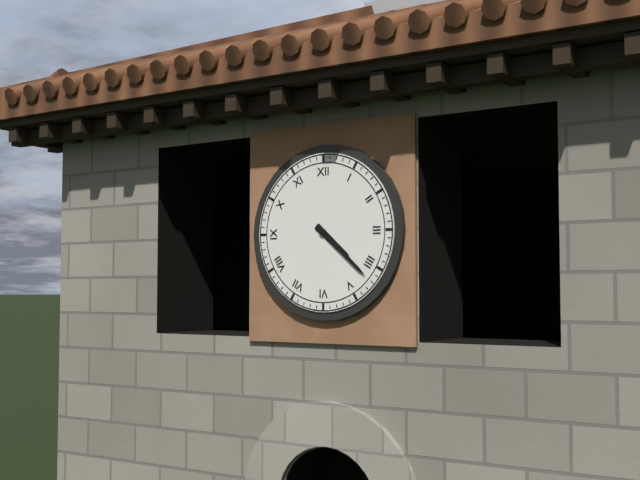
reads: 4,22
